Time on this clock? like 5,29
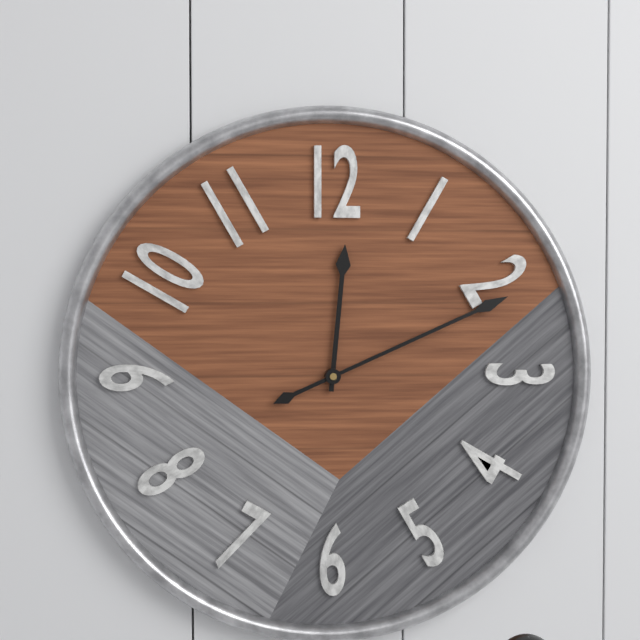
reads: 12,11
